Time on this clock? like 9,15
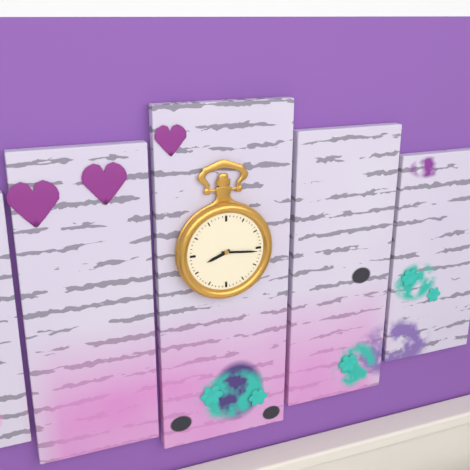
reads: 8,16
